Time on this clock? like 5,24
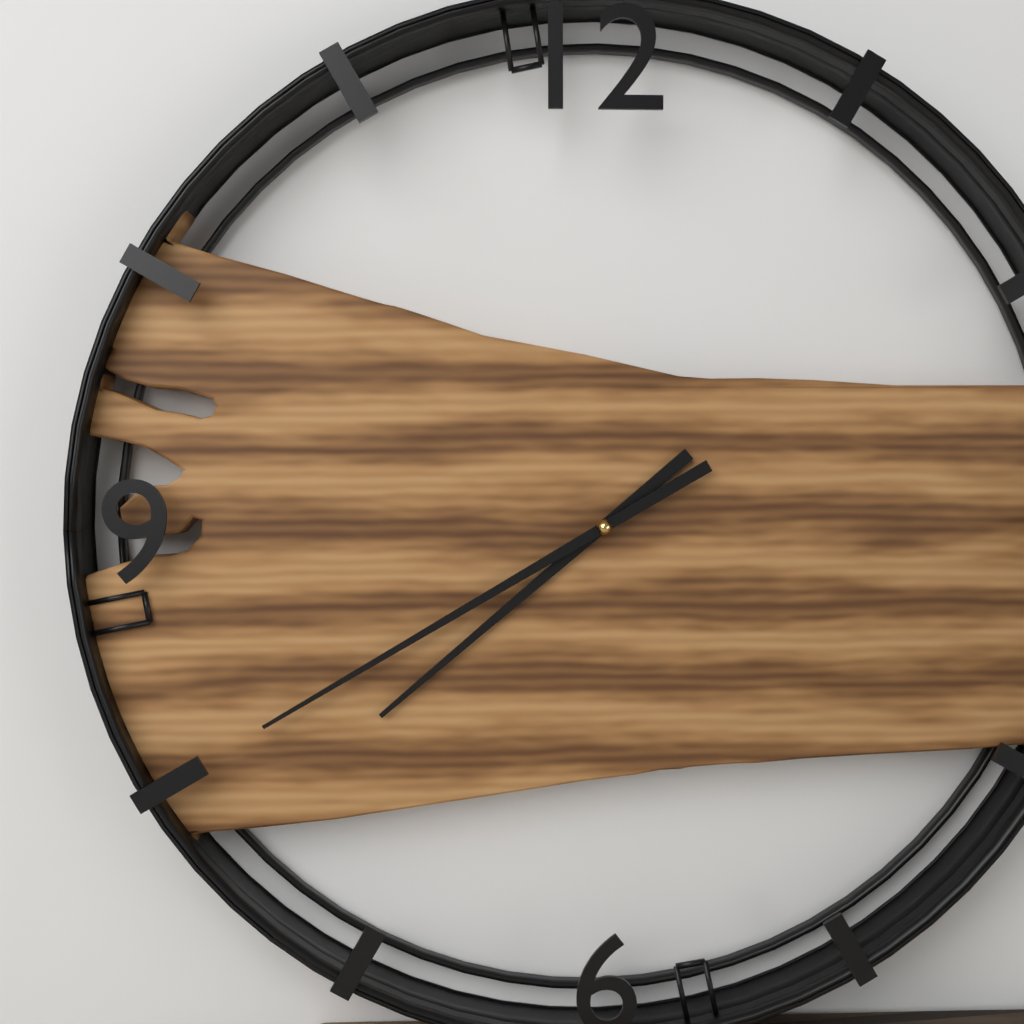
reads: 7,40
